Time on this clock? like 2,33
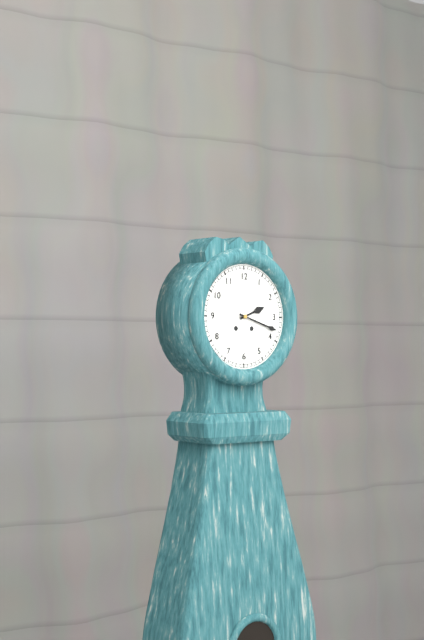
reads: 2,18
